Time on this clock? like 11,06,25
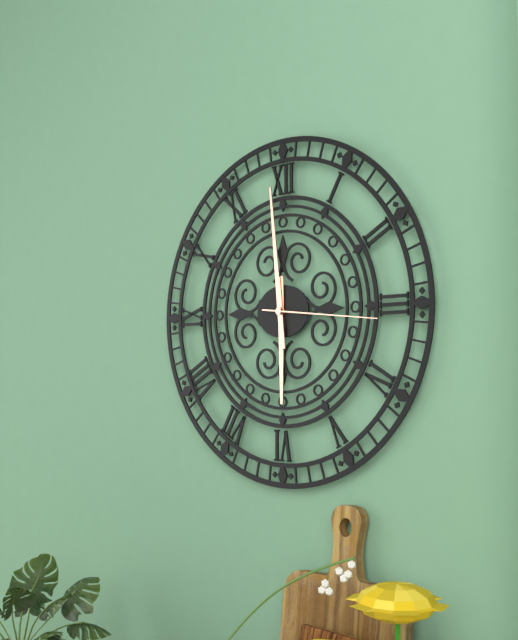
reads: 5,59,16
